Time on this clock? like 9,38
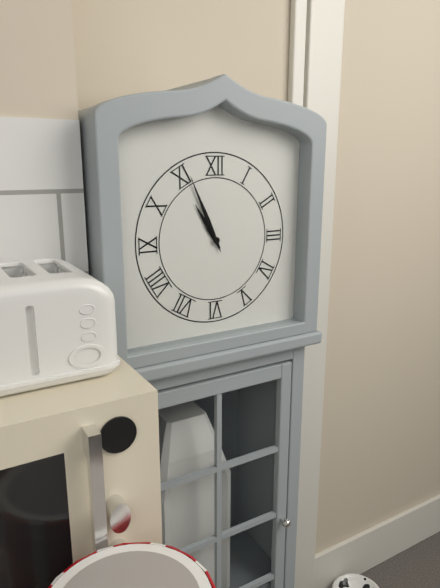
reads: 10,56
